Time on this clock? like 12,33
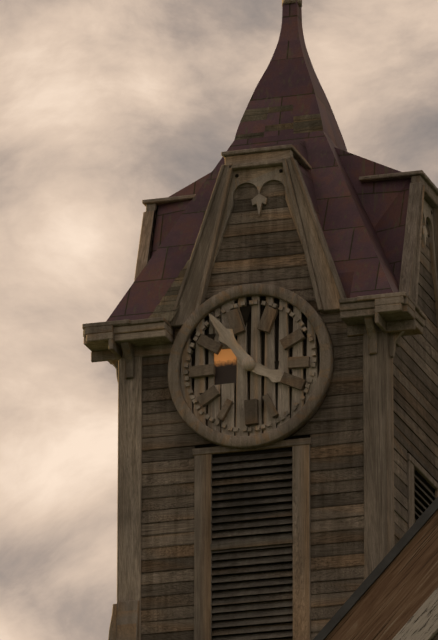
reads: 3,54
